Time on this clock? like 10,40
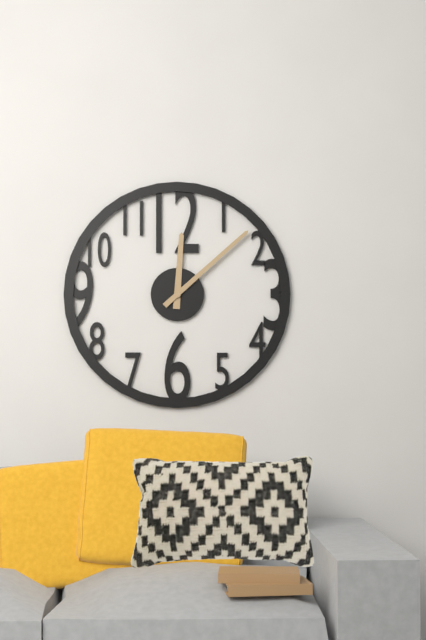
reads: 12,08
